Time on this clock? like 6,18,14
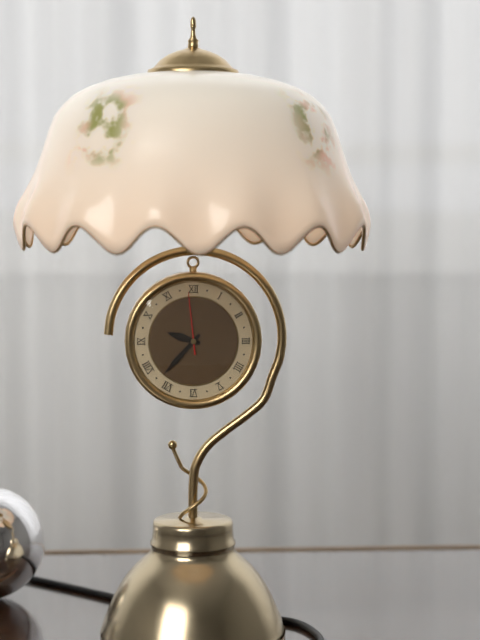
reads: 9,37,59
